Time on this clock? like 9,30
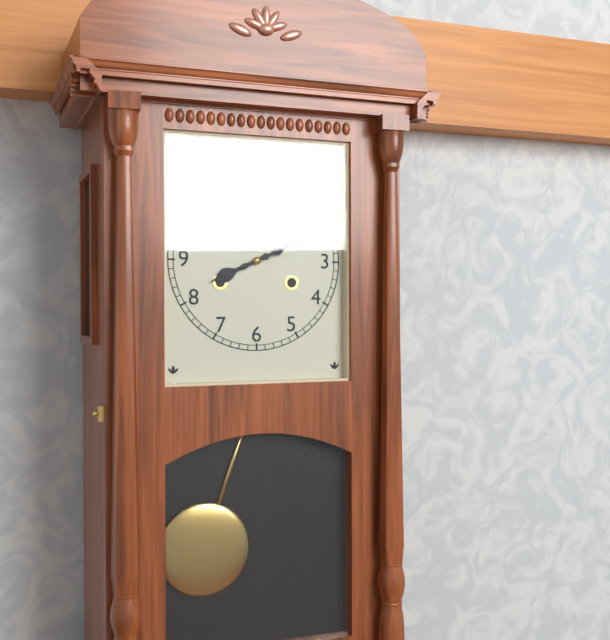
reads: 8,11
